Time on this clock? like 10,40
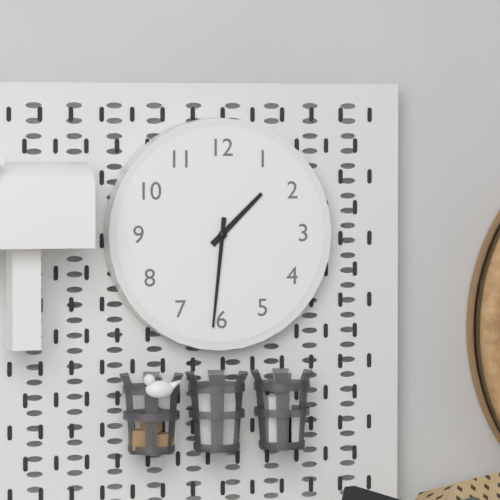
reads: 1,31
